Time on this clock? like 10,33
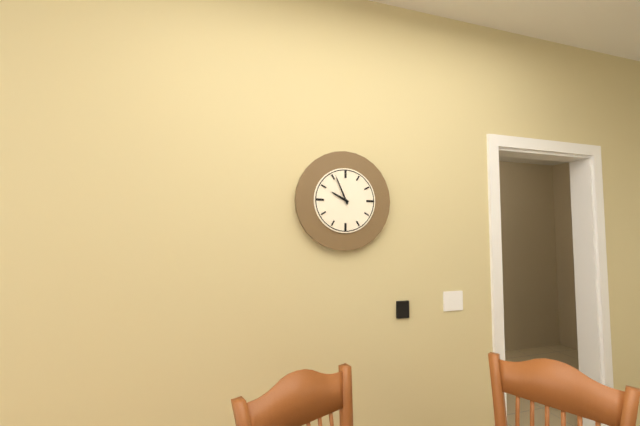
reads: 9,56
